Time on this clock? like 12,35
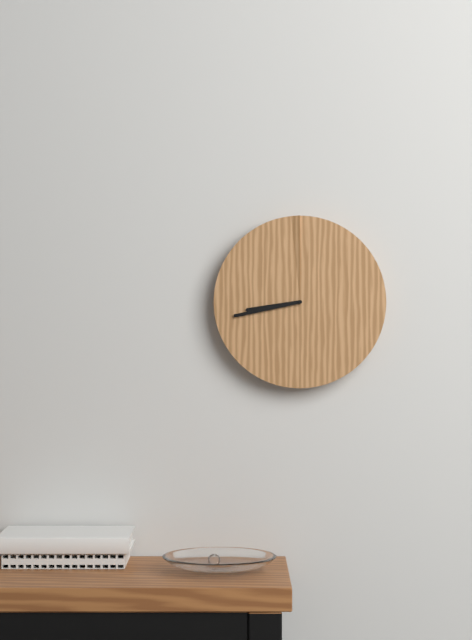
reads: 8,43
